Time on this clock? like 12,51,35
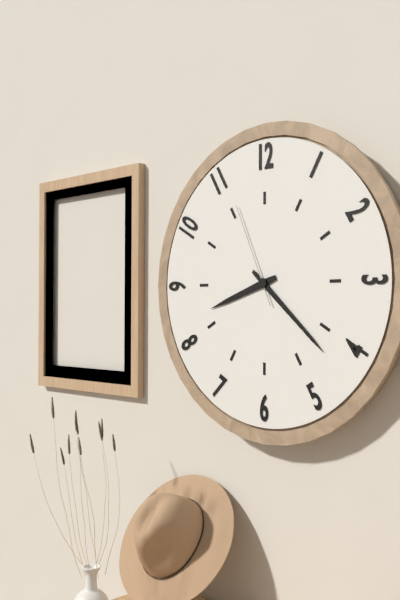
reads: 8,22,56
